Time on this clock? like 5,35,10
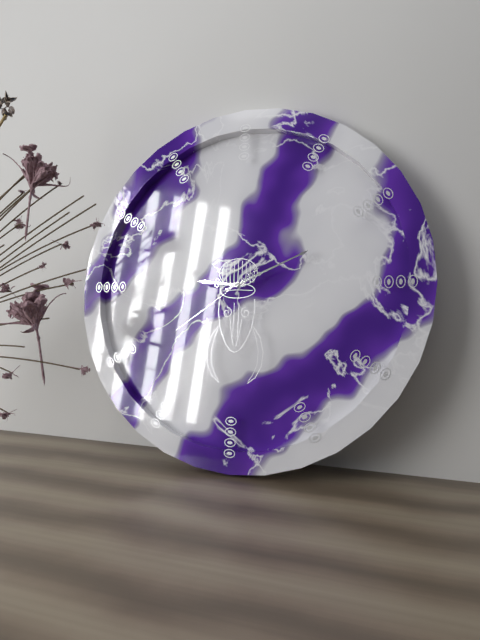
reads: 9,11,39
